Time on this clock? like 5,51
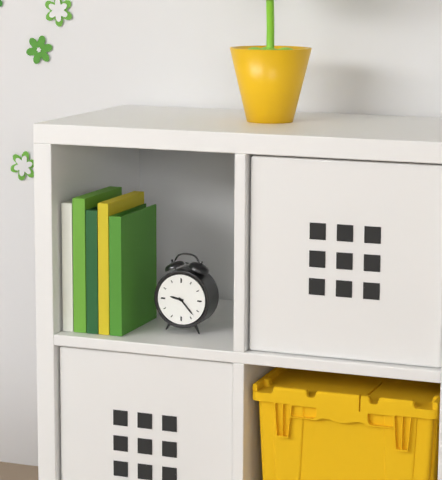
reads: 9,23
